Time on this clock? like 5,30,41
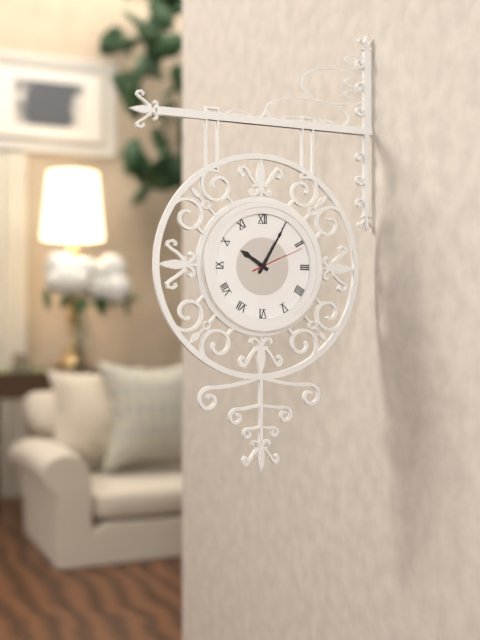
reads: 10,05,11
